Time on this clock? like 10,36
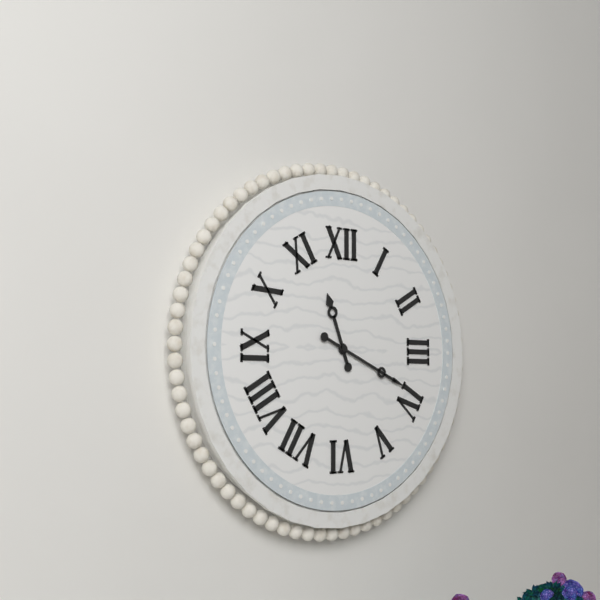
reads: 11,19
